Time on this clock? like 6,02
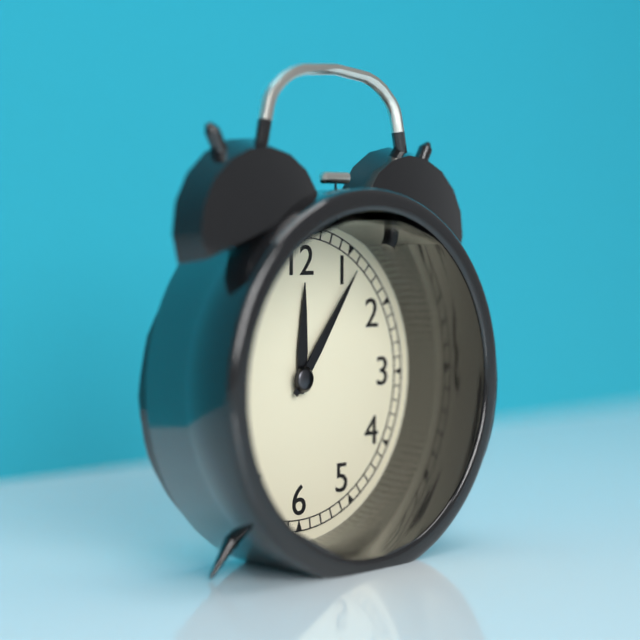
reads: 12,06
